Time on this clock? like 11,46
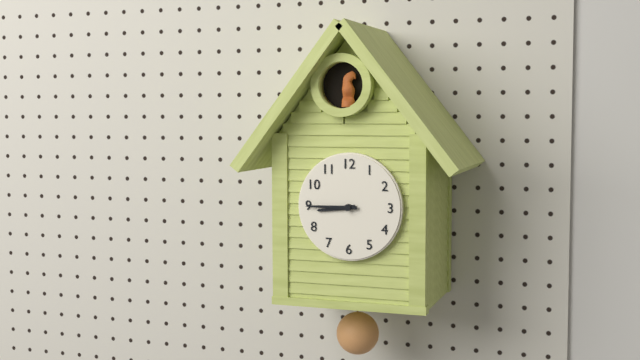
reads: 8,45
